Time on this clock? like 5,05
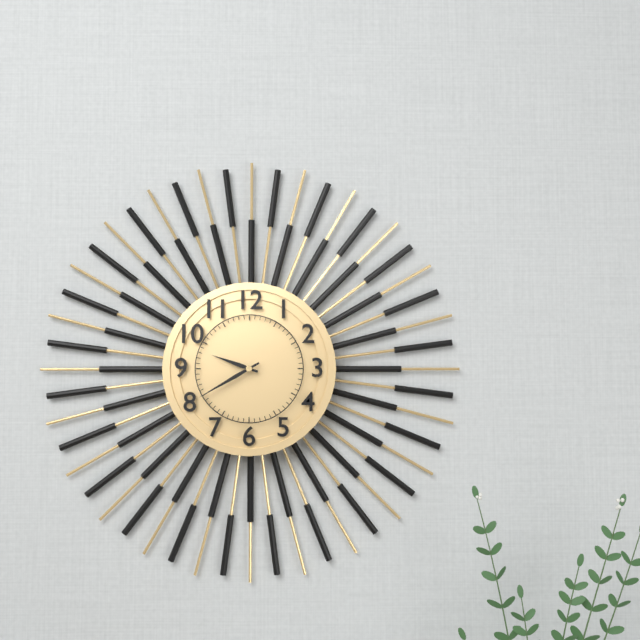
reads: 9,40
